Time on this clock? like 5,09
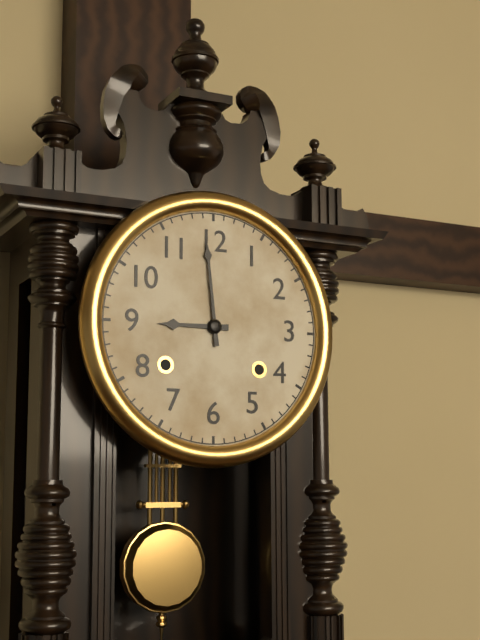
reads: 8,59
